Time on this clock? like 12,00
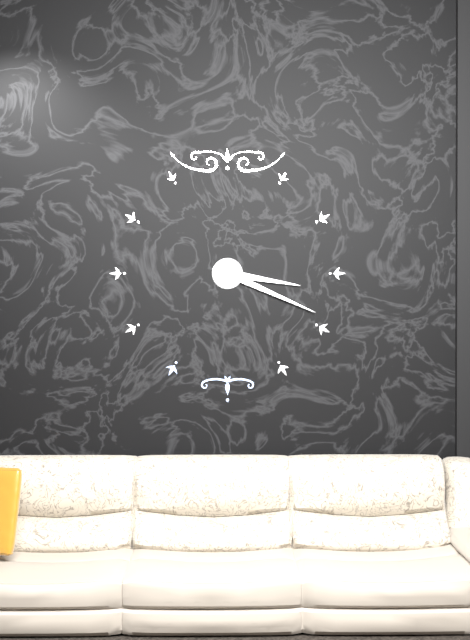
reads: 3,19
